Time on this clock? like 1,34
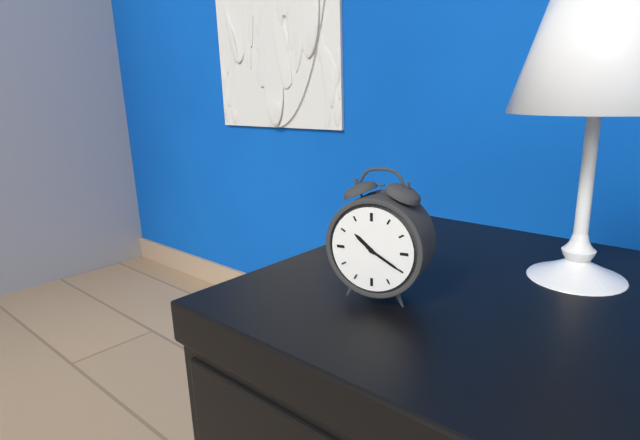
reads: 10,20
